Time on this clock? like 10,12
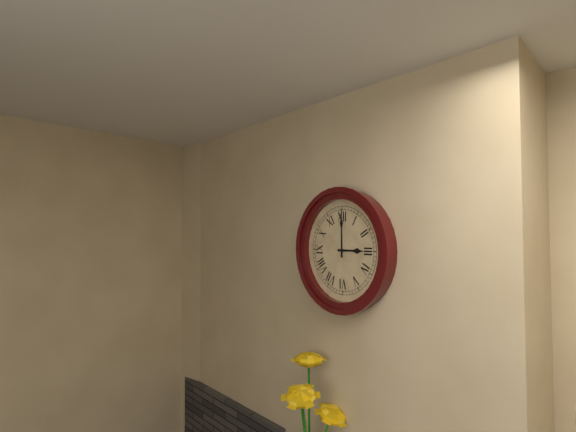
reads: 3,00
